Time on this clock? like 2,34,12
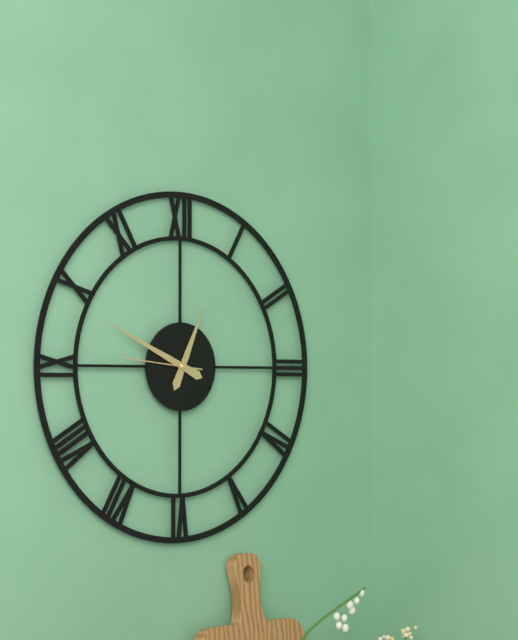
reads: 12,49,46
